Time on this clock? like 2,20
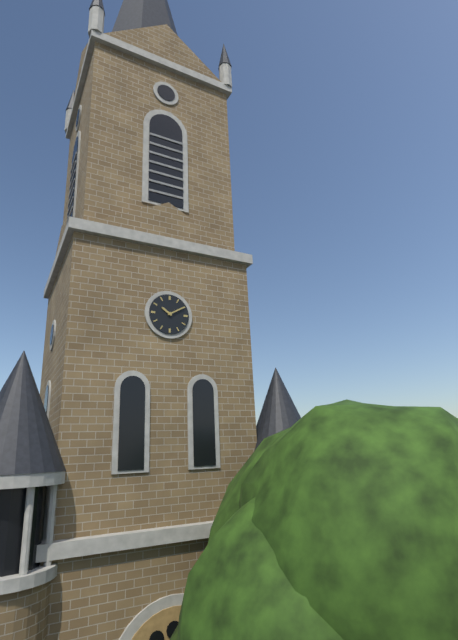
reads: 10,10
